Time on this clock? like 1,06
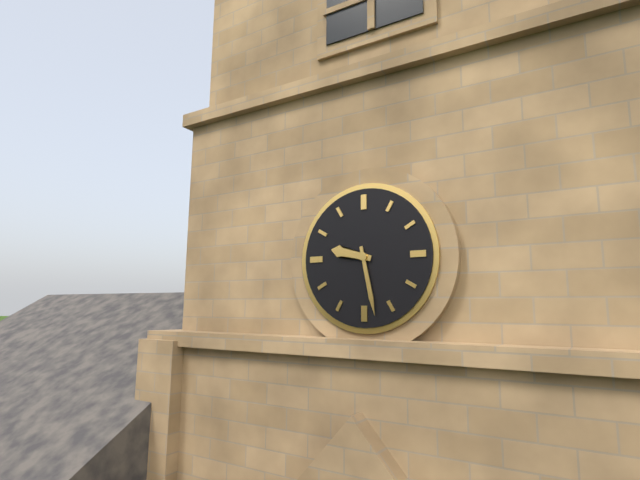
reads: 9,28
